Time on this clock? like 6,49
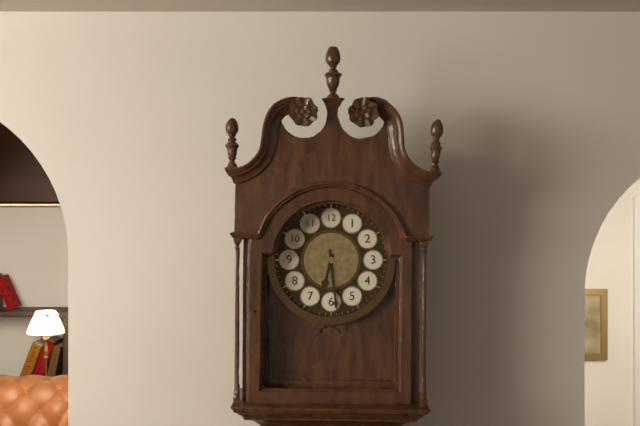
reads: 6,29
